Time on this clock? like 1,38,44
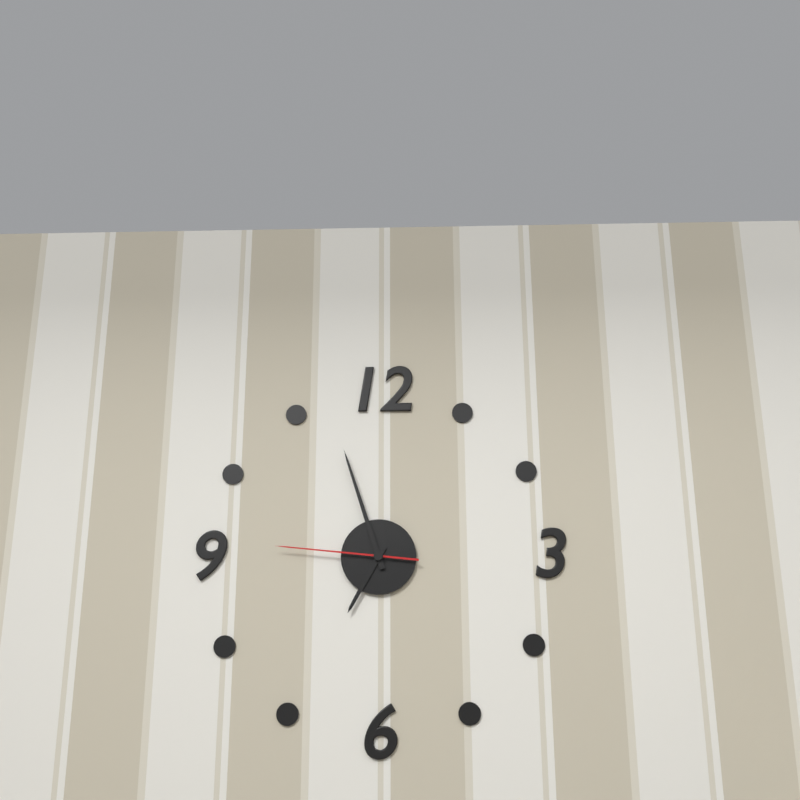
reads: 6,57,46
